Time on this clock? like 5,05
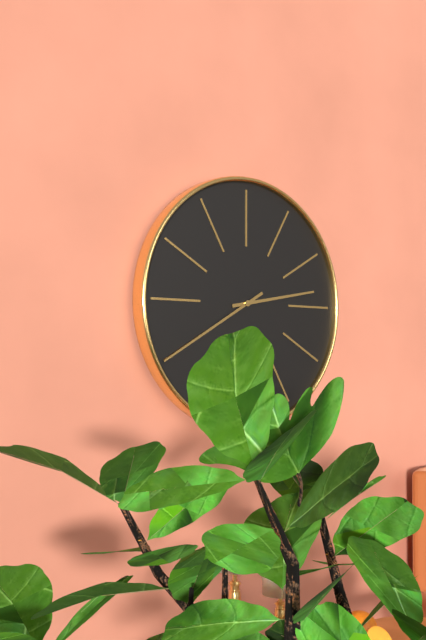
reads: 2,40
